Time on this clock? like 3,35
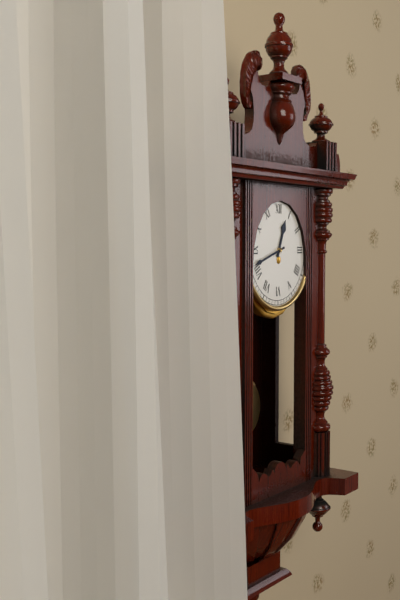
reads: 12,42
